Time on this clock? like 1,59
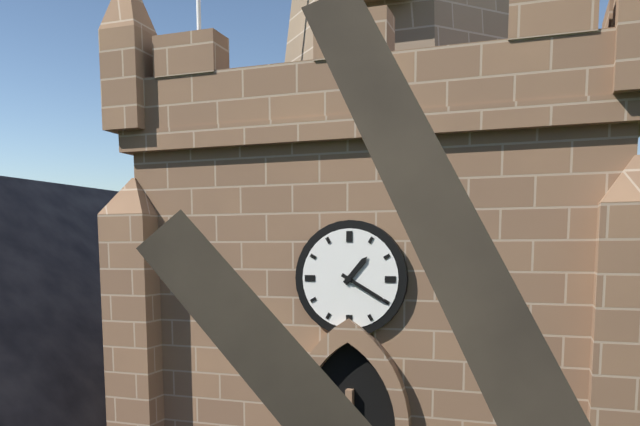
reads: 1,20
